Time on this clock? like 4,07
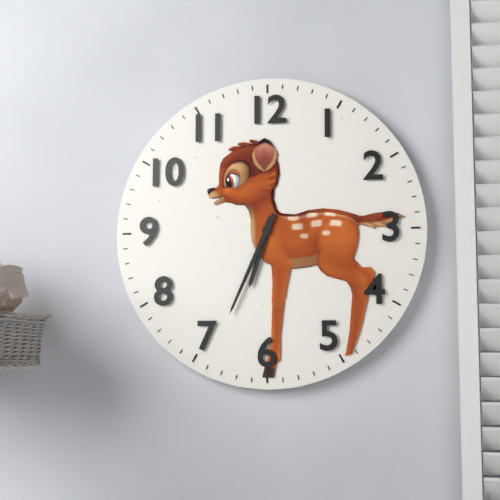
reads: 6,34
